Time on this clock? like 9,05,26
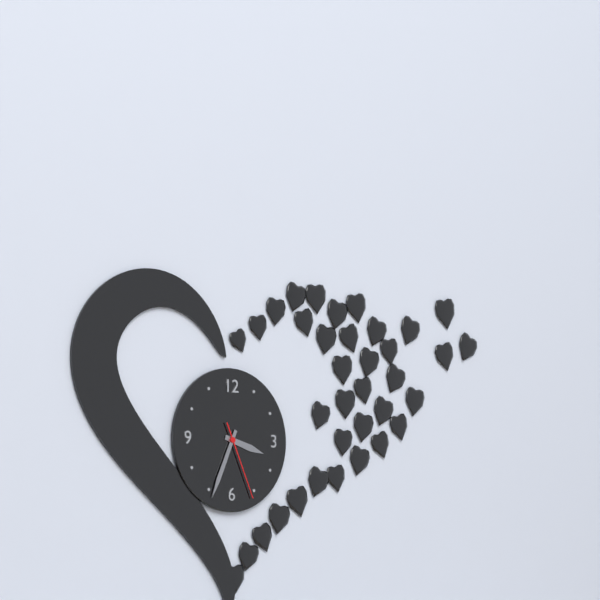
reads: 3,34,26
